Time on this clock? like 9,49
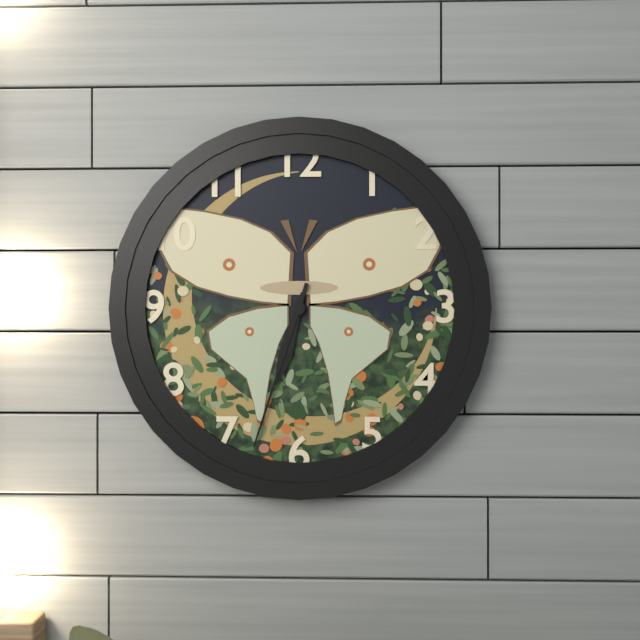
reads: 6,33
